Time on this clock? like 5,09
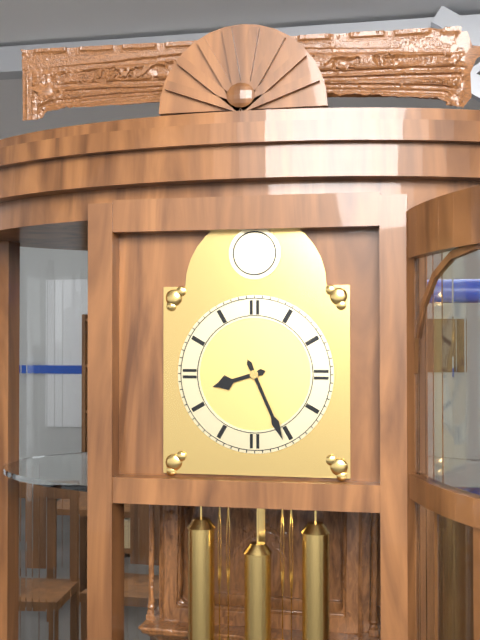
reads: 8,26
